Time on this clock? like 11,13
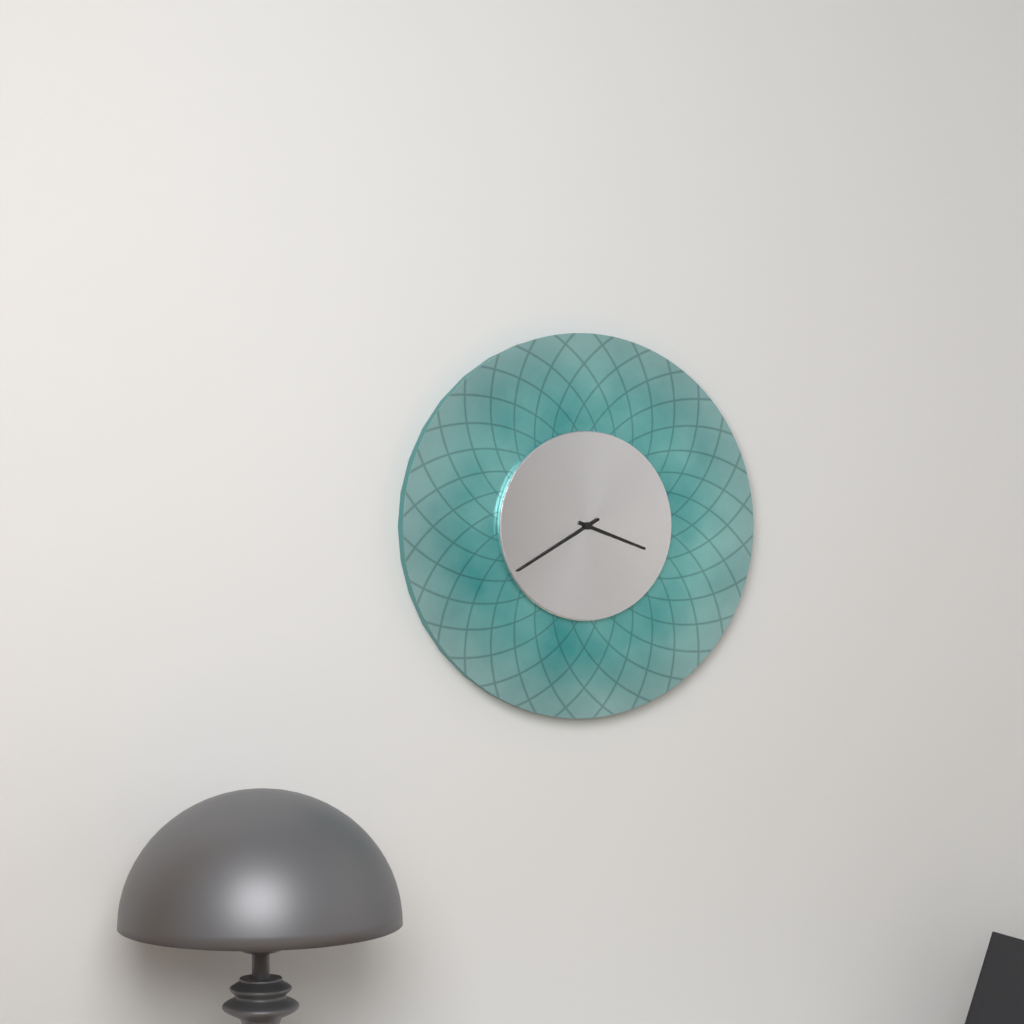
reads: 3,40
